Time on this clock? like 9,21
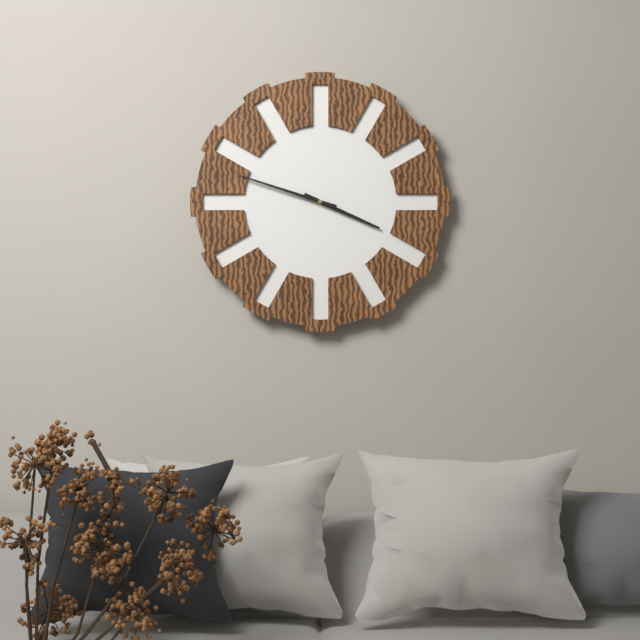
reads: 3,48
